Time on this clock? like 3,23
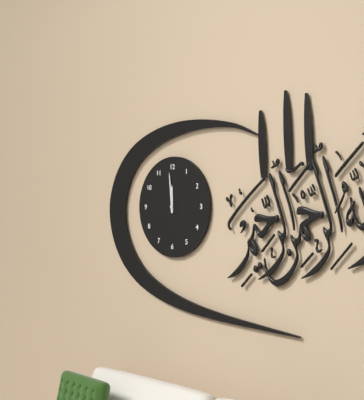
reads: 11,59
